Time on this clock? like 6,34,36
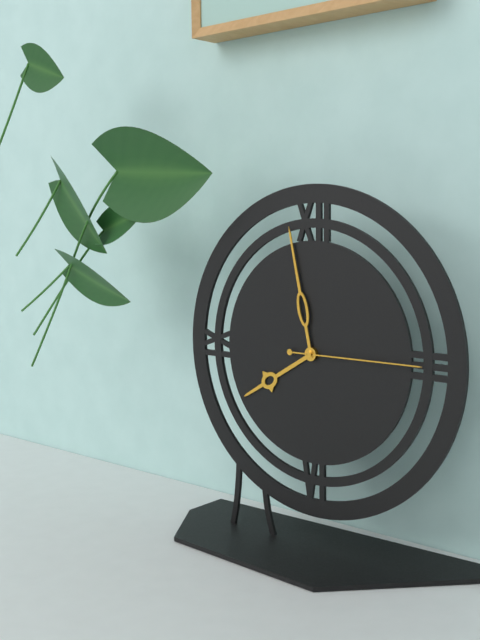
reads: 7,58,15
